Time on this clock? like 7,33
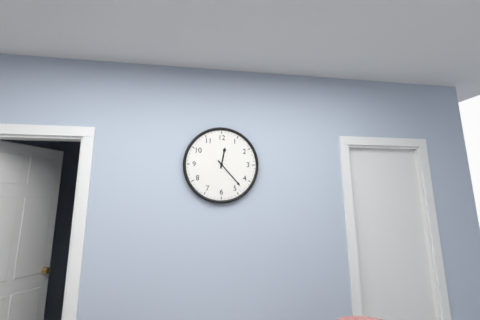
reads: 12,23
